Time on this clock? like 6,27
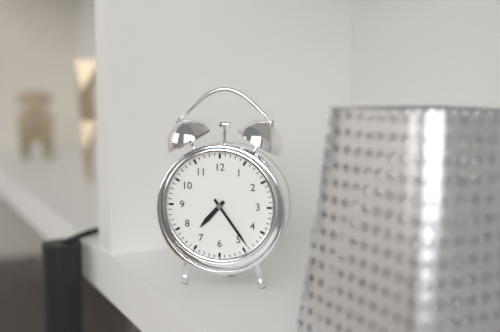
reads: 7,24
